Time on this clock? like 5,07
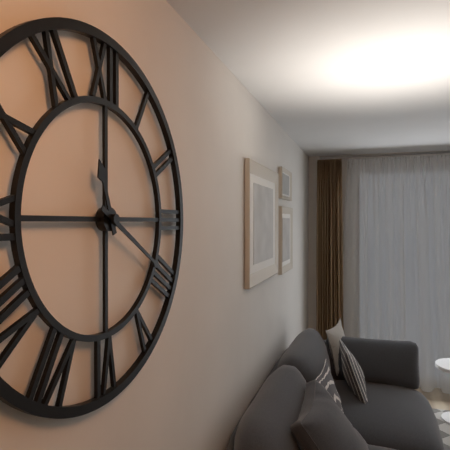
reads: 11,20
